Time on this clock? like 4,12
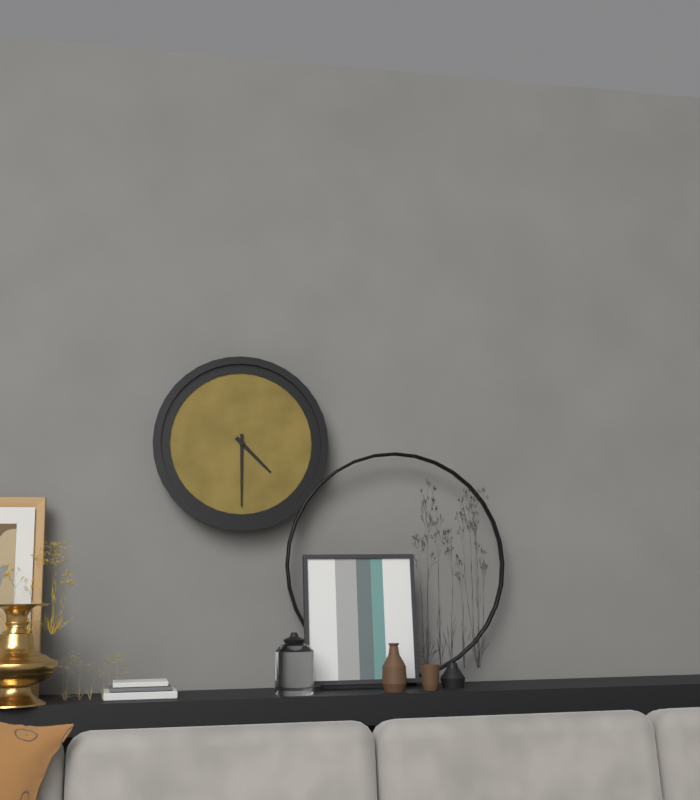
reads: 4,30
